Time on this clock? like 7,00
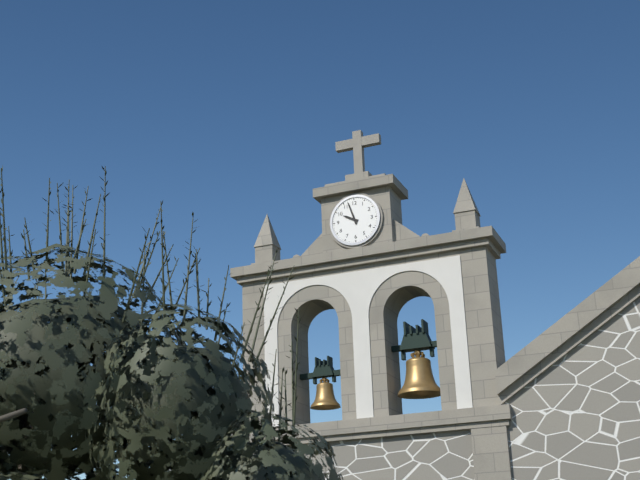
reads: 9,57
